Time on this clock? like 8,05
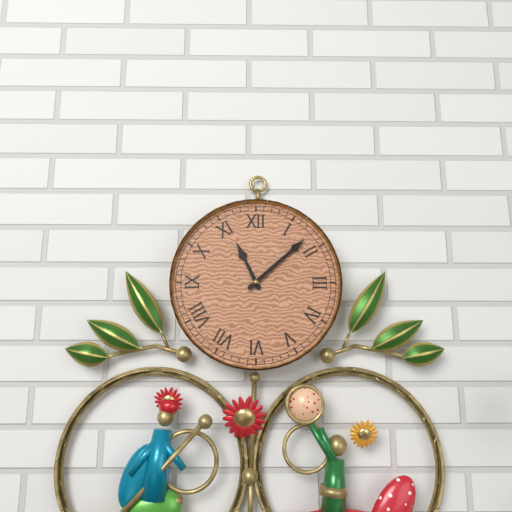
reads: 11,08
